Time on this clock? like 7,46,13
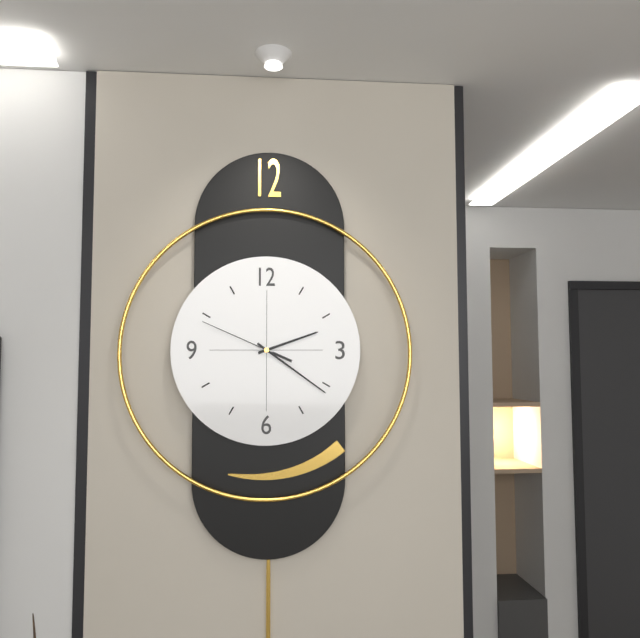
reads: 2,21,49
